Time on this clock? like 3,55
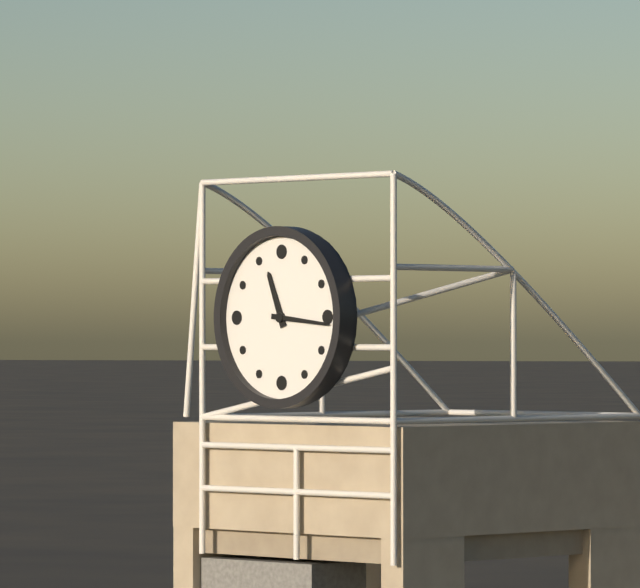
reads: 11,16
